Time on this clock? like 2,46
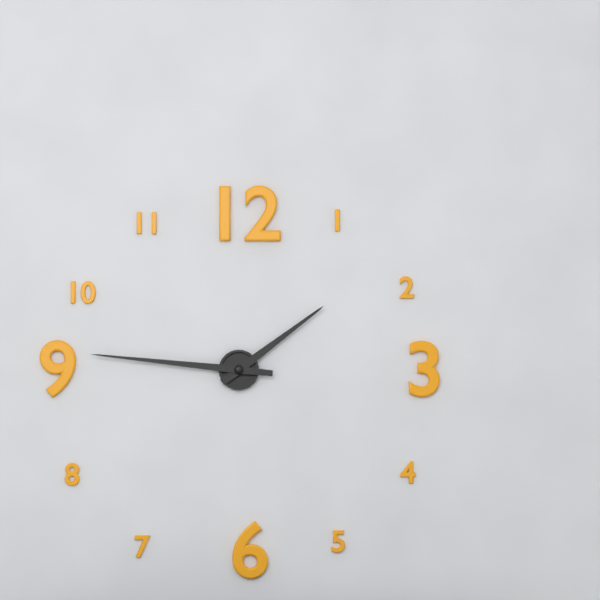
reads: 1,46
